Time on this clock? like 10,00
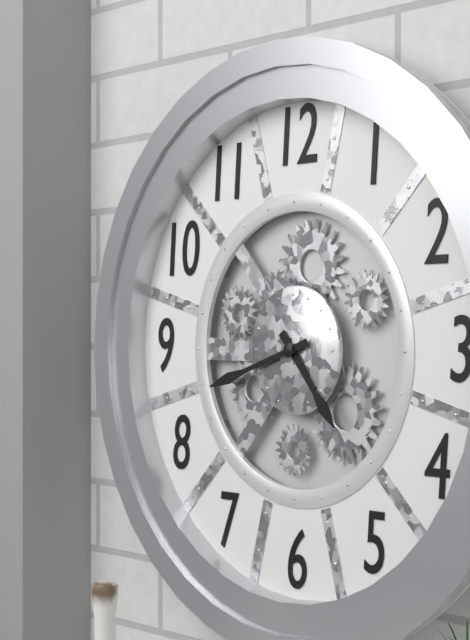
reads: 4,42
